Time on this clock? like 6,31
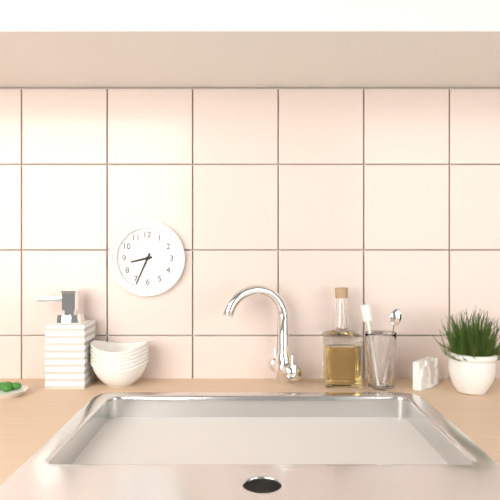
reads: 8,34
